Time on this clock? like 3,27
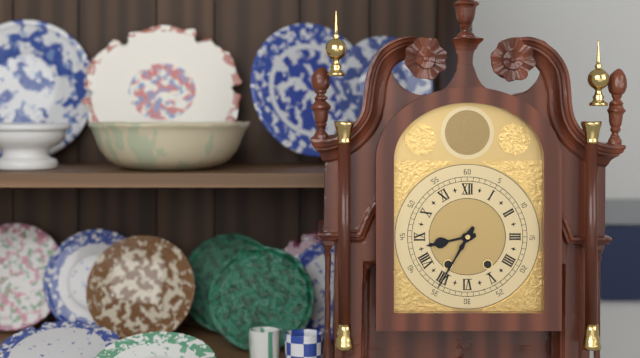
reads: 8,35
